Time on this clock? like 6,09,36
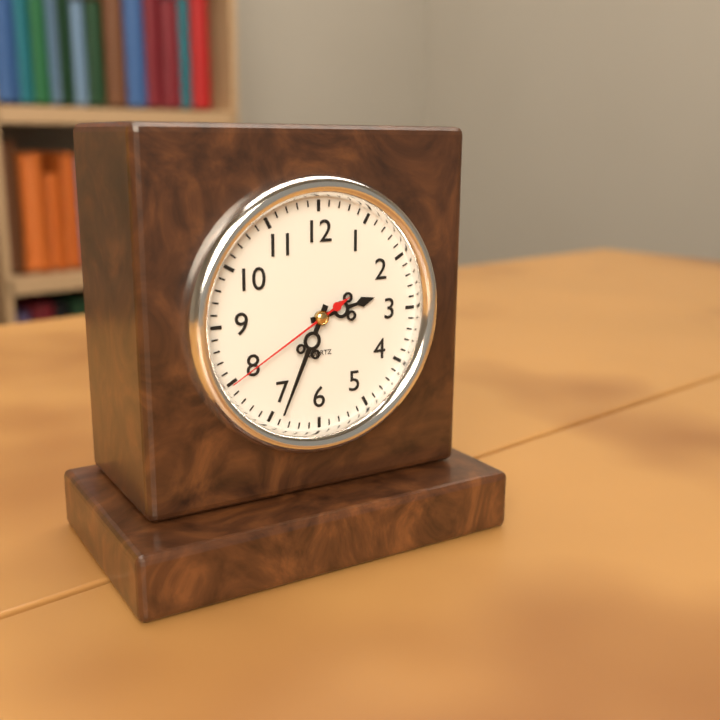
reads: 2,34,40
